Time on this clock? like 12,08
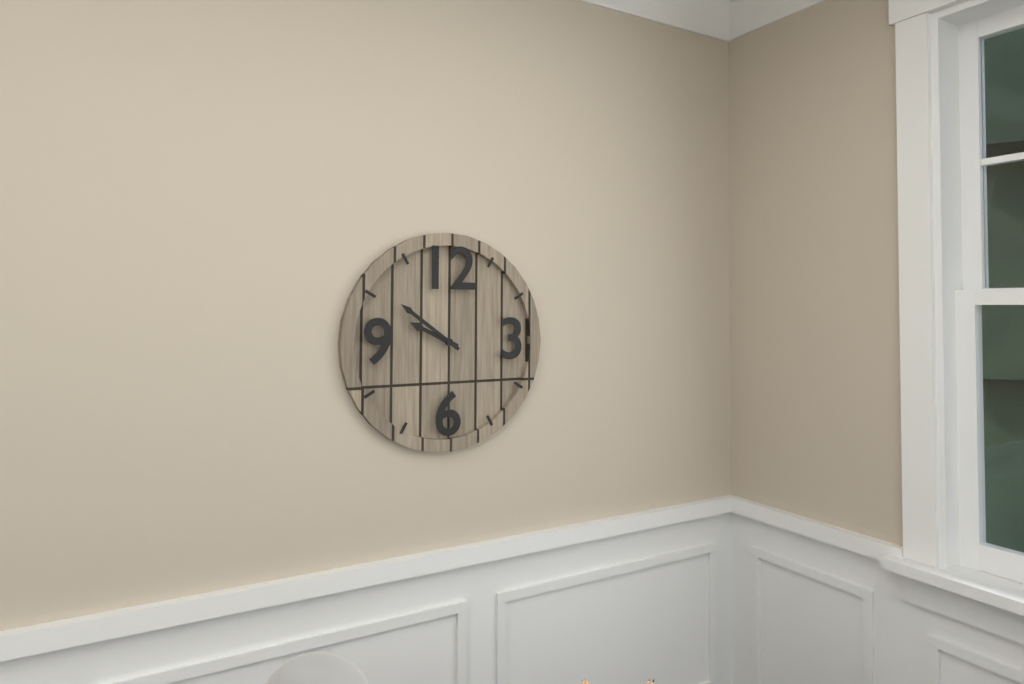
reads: 9,51
